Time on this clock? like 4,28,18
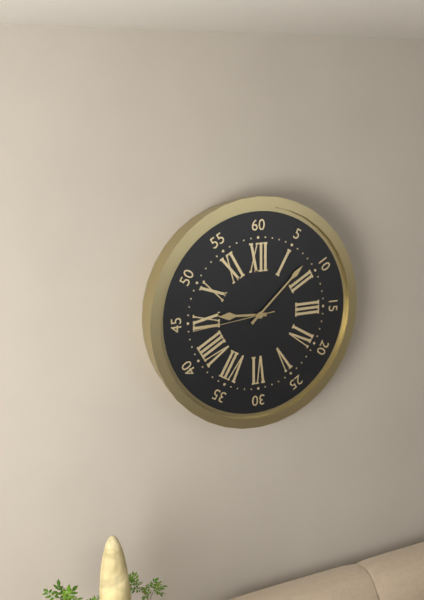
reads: 9,08,44
